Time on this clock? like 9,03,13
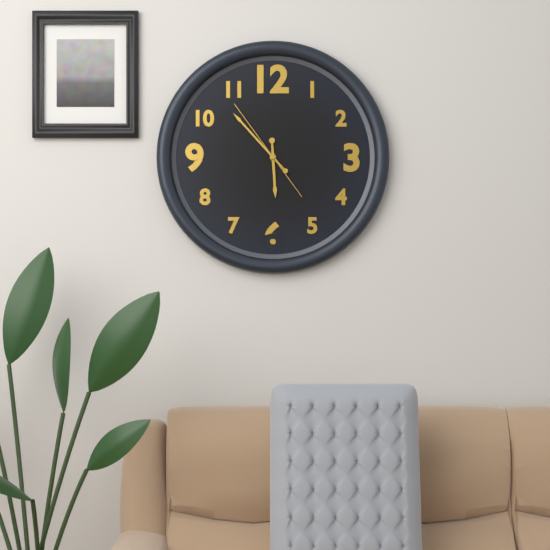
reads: 5,53,54
